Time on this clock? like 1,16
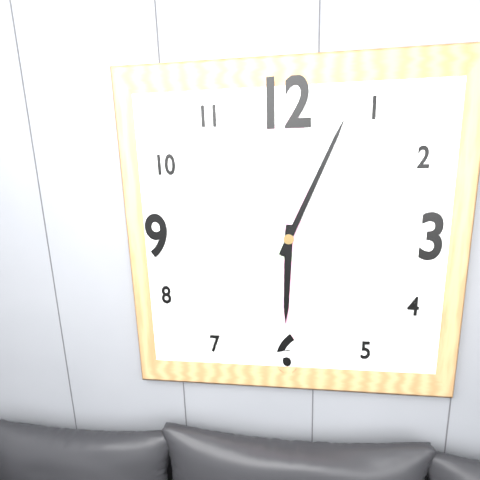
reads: 6,04
